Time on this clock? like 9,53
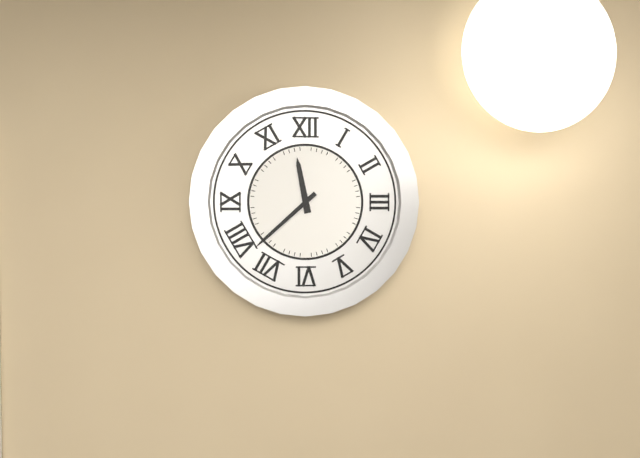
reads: 11,38
